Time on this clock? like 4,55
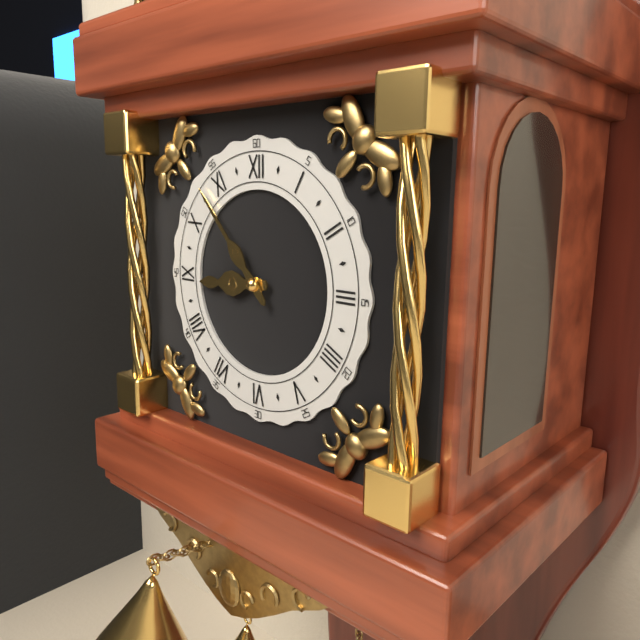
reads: 8,53
